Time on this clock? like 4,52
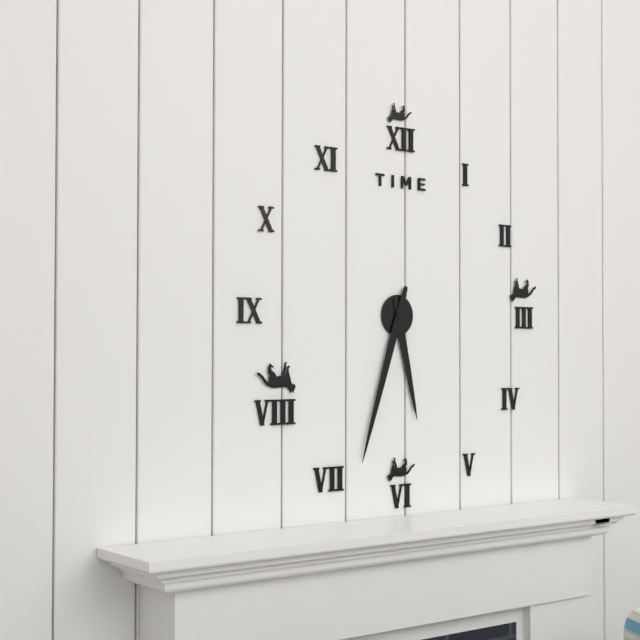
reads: 5,33
